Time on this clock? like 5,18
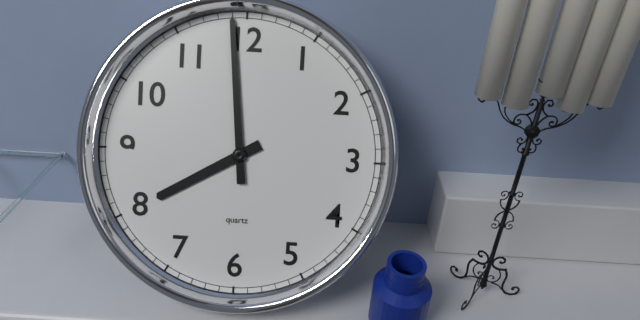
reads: 7,59
